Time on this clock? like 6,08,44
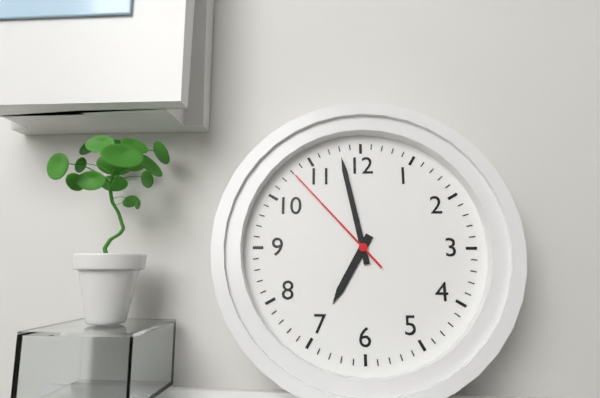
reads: 6,58,53
